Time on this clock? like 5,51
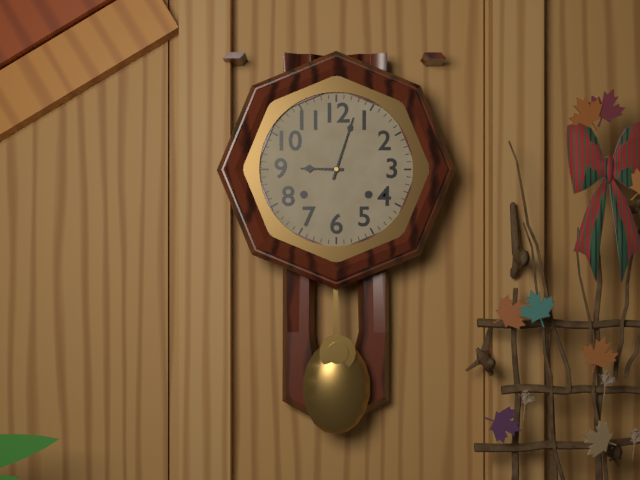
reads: 9,03
